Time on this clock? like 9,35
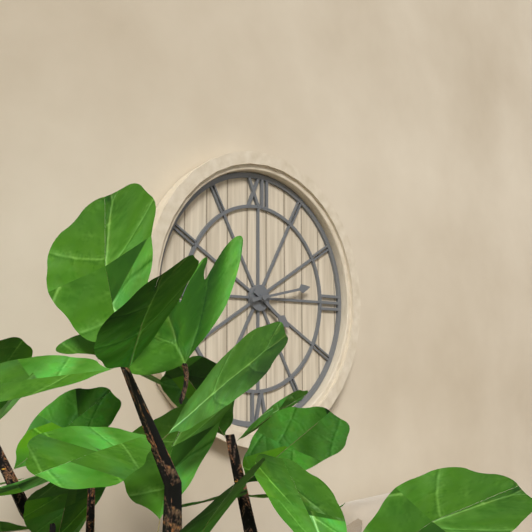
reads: 4,13
